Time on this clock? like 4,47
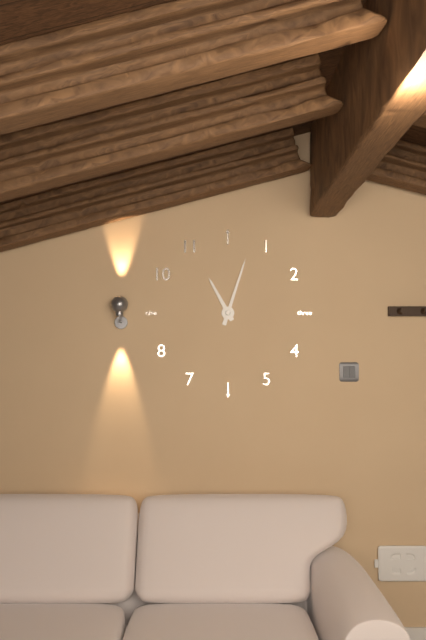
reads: 11,03
